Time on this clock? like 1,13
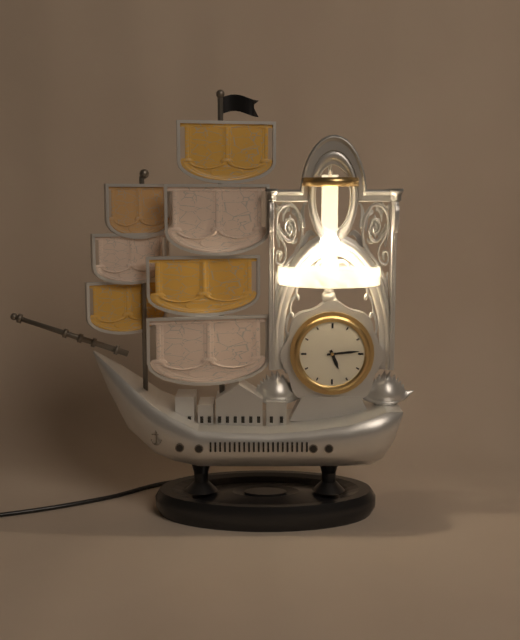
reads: 5,14
